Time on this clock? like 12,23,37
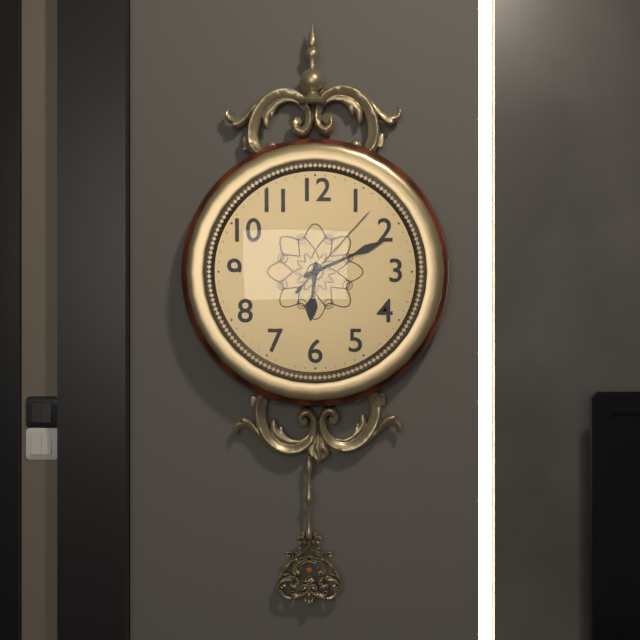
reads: 6,11,07
